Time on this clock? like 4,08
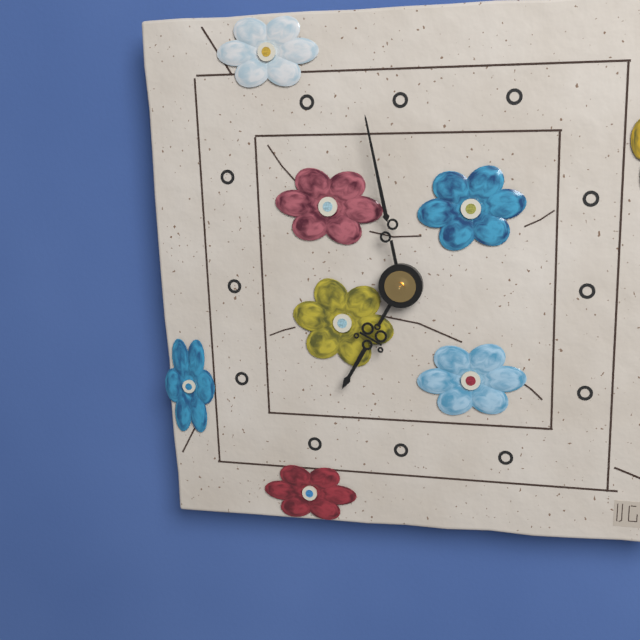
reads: 6,58
